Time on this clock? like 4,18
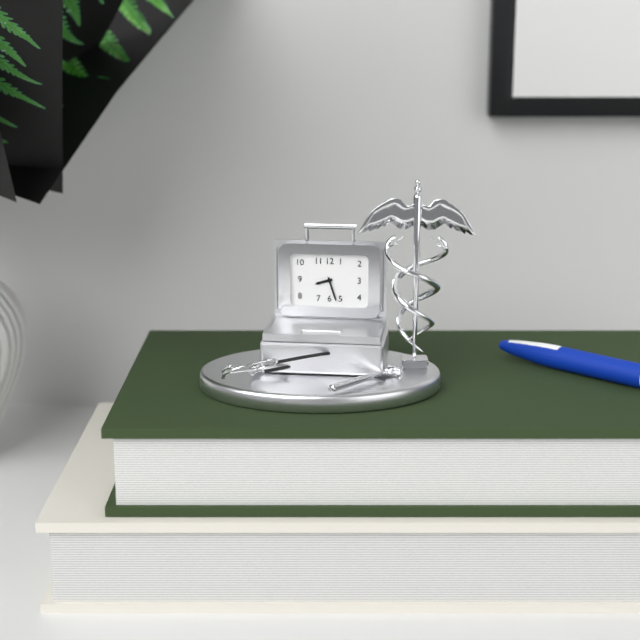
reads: 8,27
